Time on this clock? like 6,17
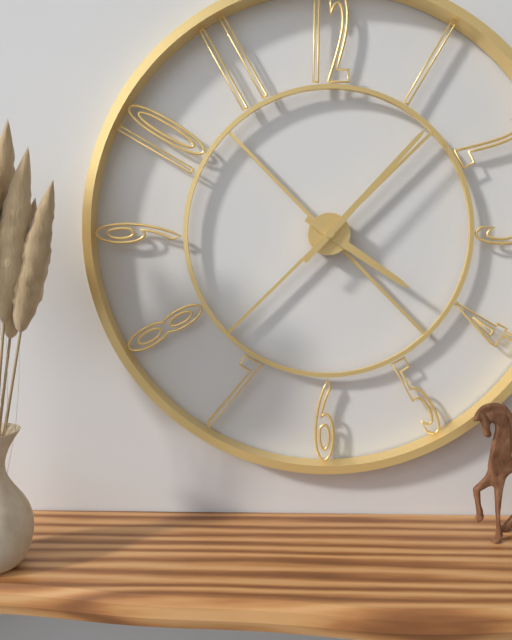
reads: 4,07
